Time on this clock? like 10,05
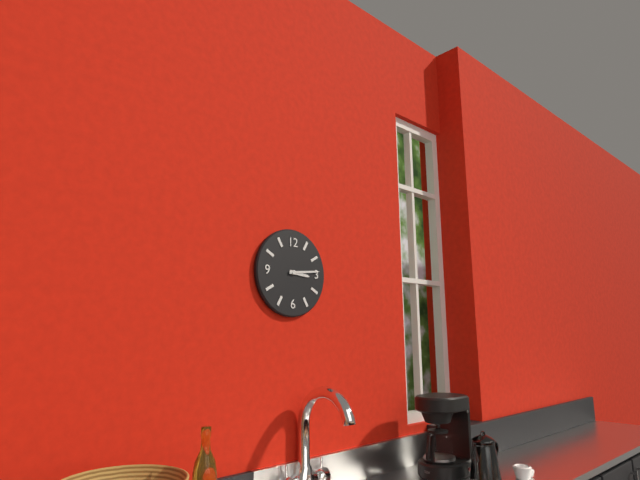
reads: 3,14
